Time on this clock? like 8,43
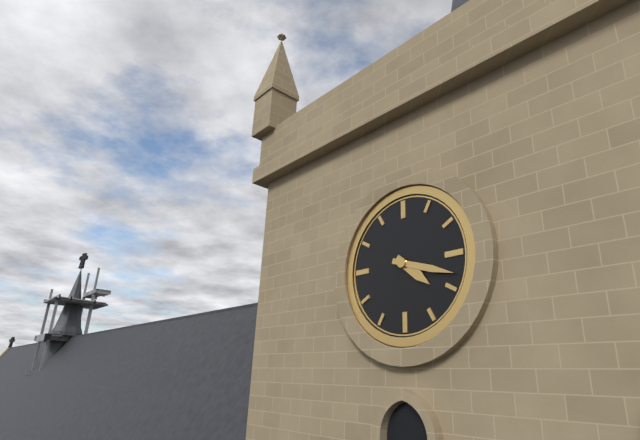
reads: 4,18
